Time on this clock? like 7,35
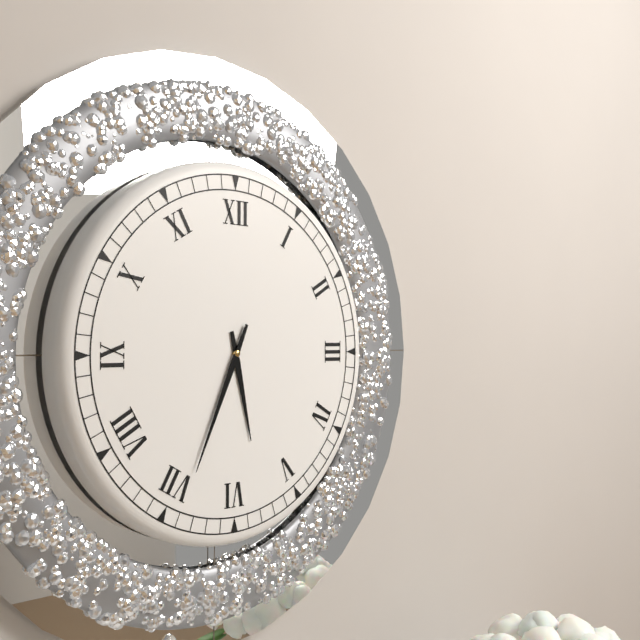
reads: 5,34
